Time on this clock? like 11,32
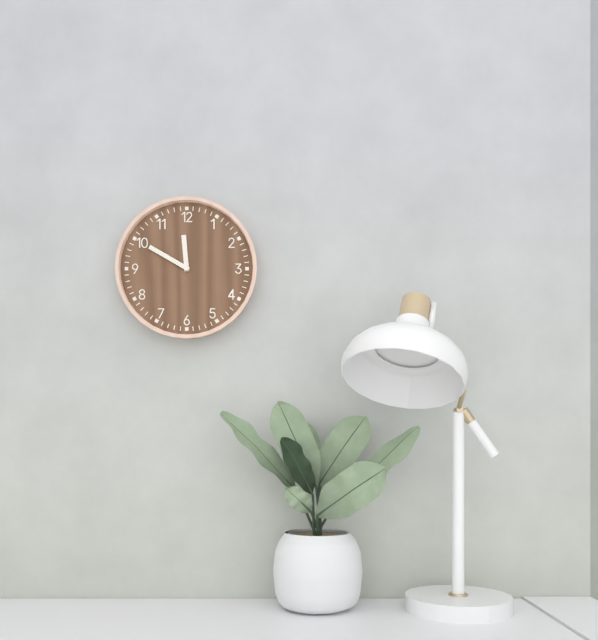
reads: 11,50
